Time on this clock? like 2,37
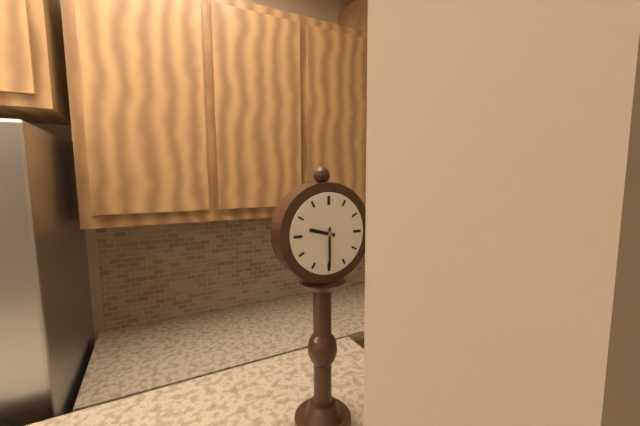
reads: 9,30
